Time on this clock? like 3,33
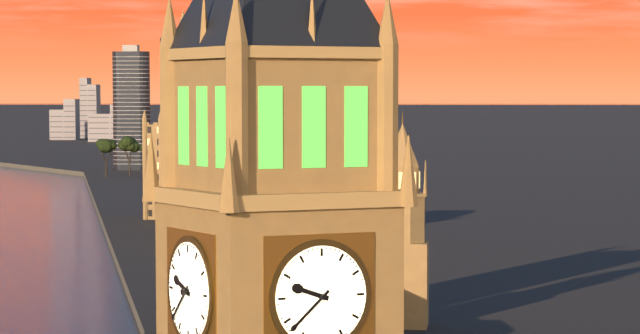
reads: 9,38
